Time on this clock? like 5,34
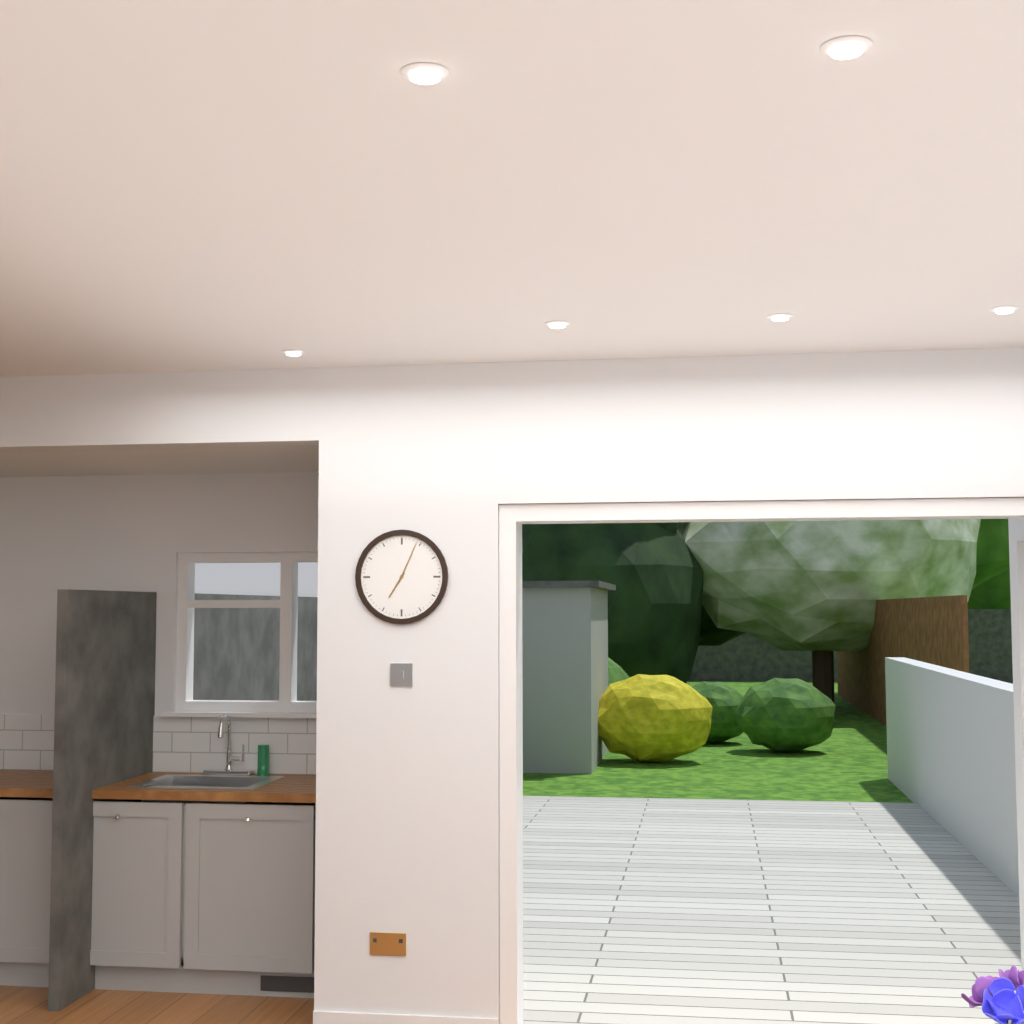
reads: 7,04
